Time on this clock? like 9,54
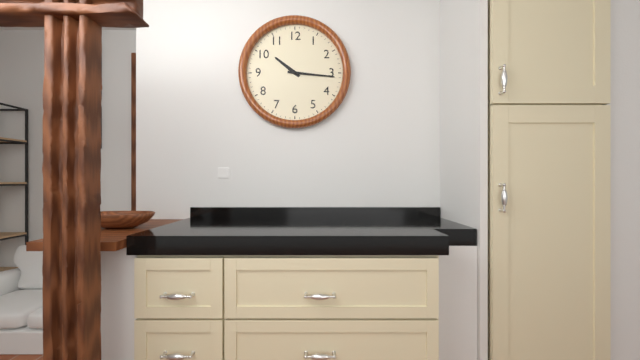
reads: 10,16
